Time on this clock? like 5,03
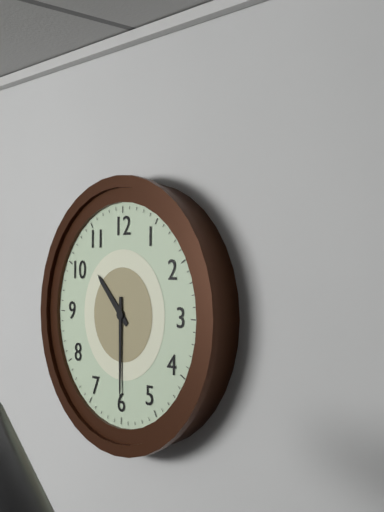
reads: 10,30
